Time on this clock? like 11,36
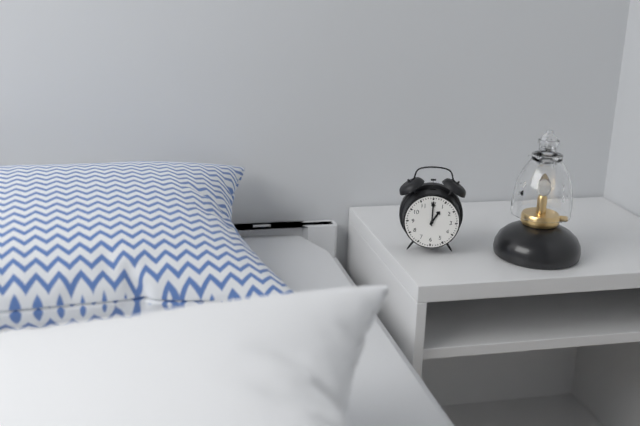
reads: 1,00
